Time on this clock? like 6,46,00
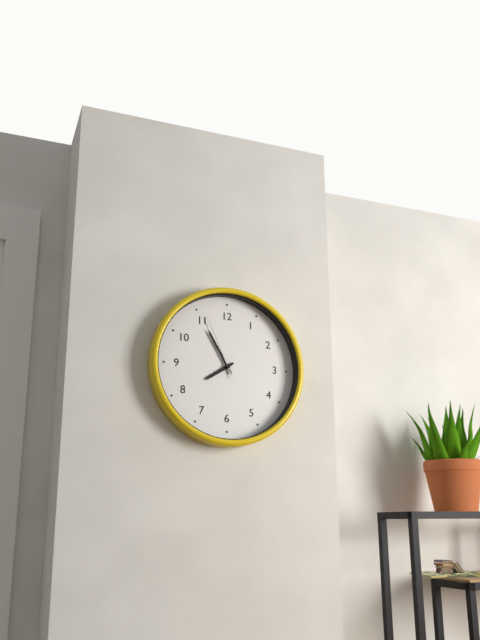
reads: 7,55,56
